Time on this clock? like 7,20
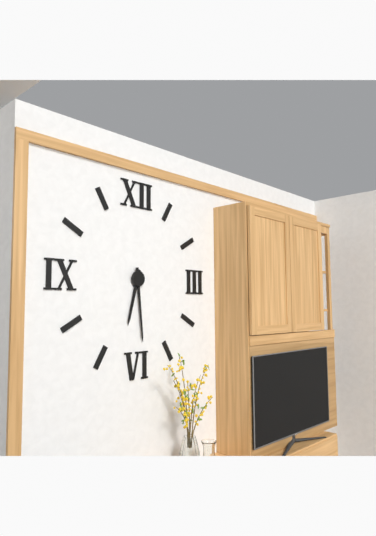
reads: 6,29
